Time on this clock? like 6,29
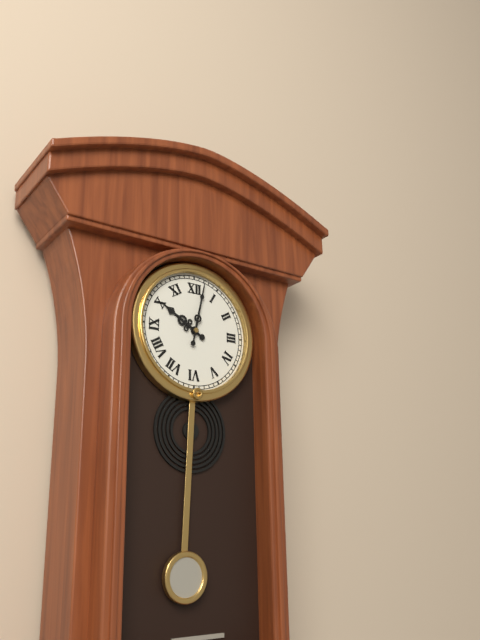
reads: 10,02
